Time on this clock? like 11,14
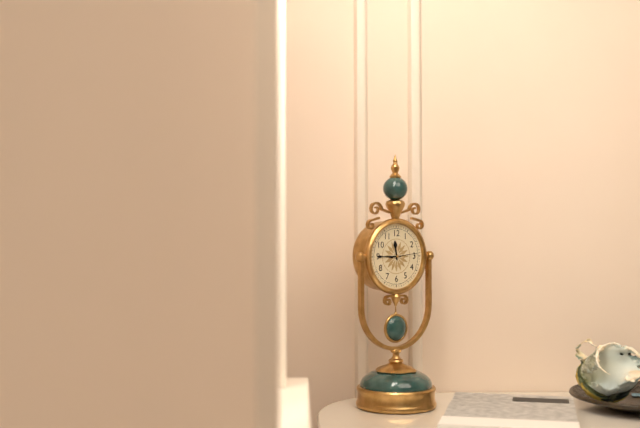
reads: 11,45
